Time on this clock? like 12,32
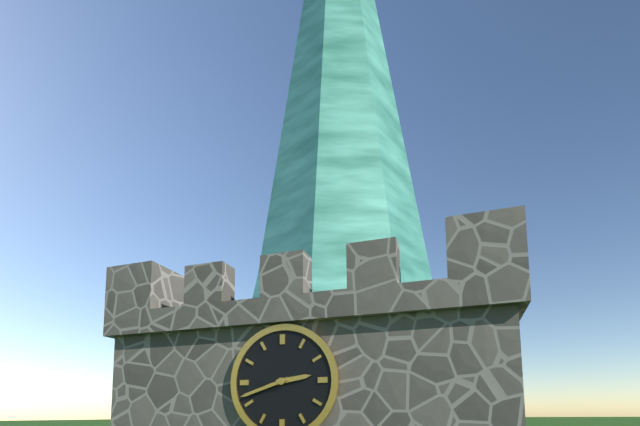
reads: 2,42
